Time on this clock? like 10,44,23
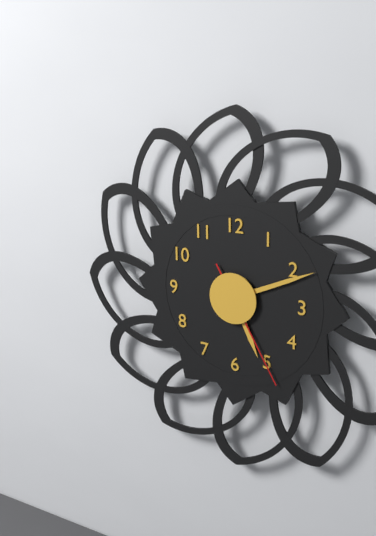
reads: 5,11,25
